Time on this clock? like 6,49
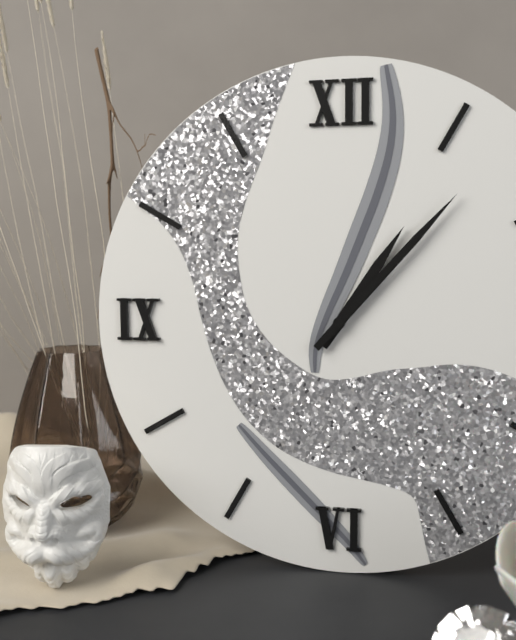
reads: 1,07
